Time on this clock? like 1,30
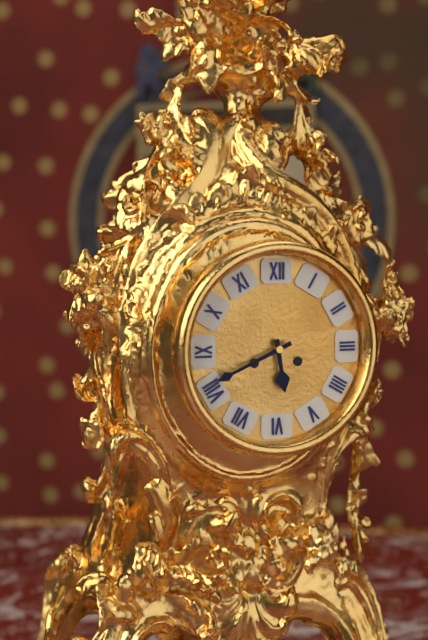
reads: 5,41
